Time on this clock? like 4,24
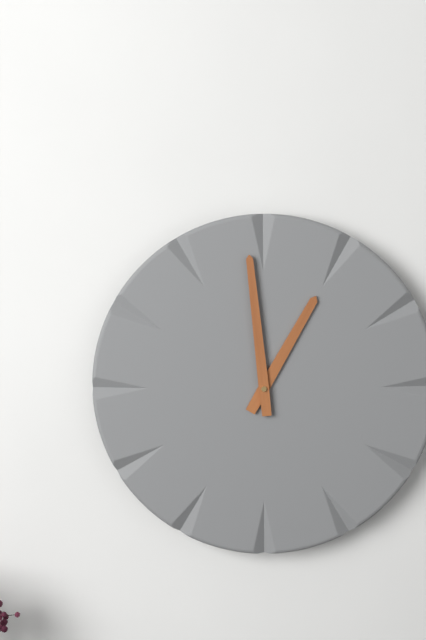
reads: 12,59
